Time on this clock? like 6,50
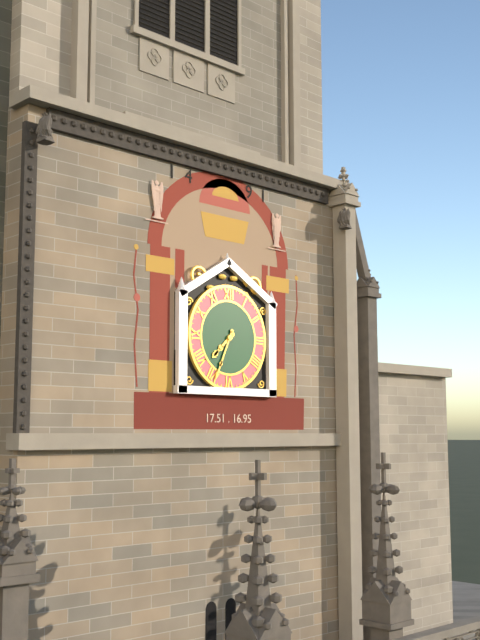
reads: 7,34
